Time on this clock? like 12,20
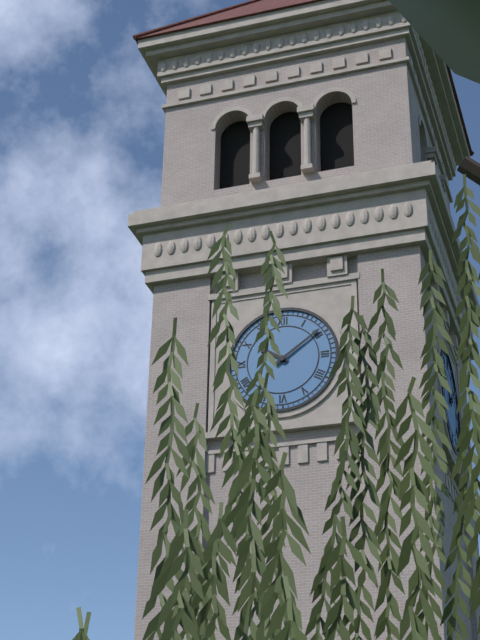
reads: 10,09
